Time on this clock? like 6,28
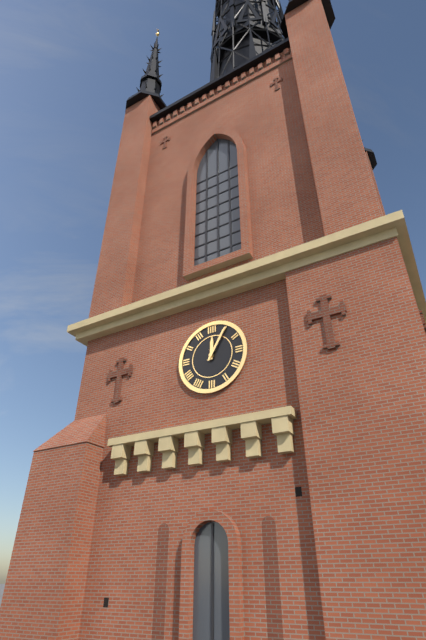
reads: 12,05
